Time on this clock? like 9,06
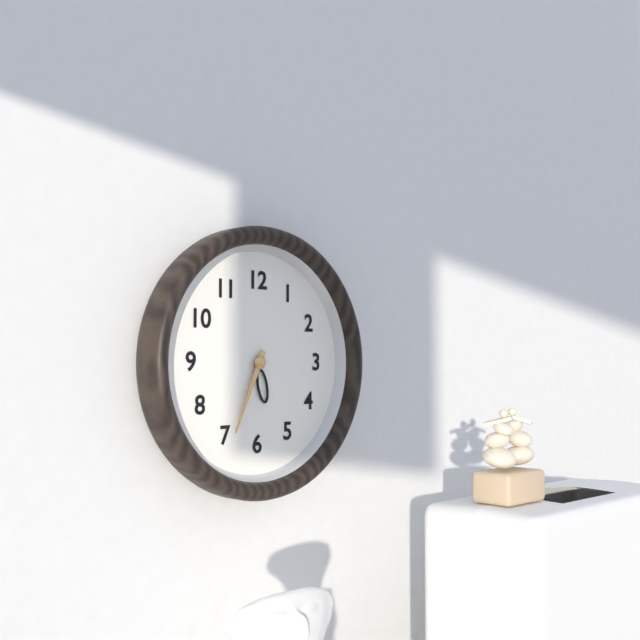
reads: 5,34
